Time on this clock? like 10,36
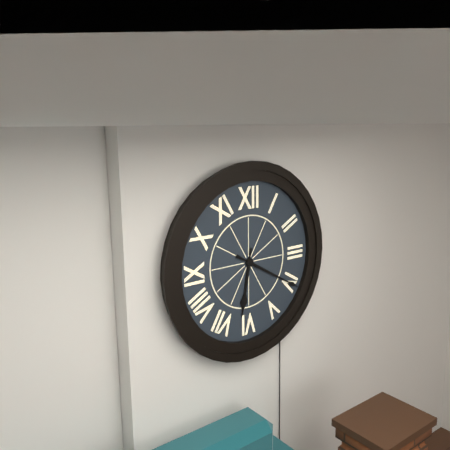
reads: 6,20
